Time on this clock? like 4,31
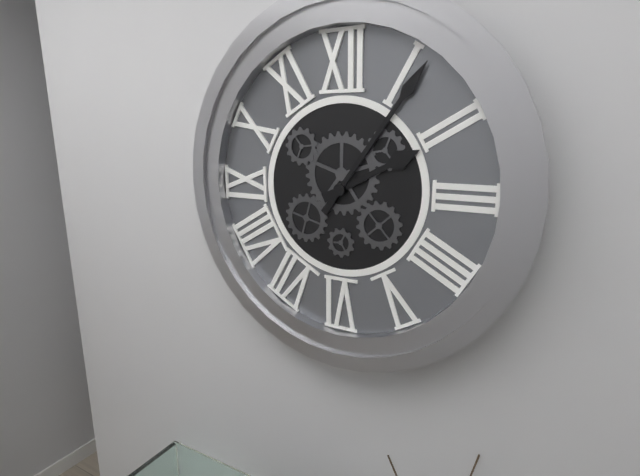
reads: 2,06
